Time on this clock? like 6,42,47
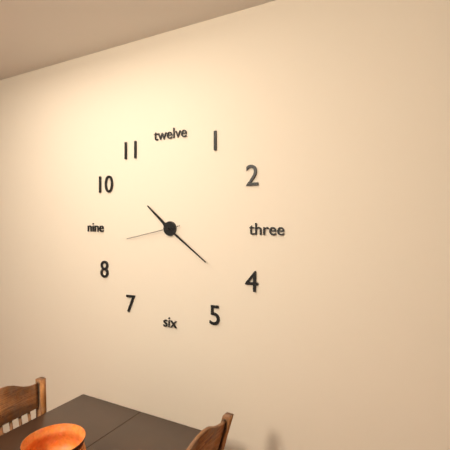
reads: 10,21,43
